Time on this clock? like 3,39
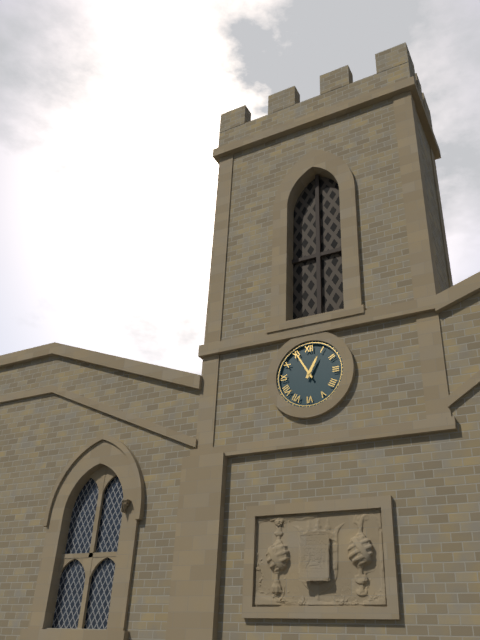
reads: 12,55
